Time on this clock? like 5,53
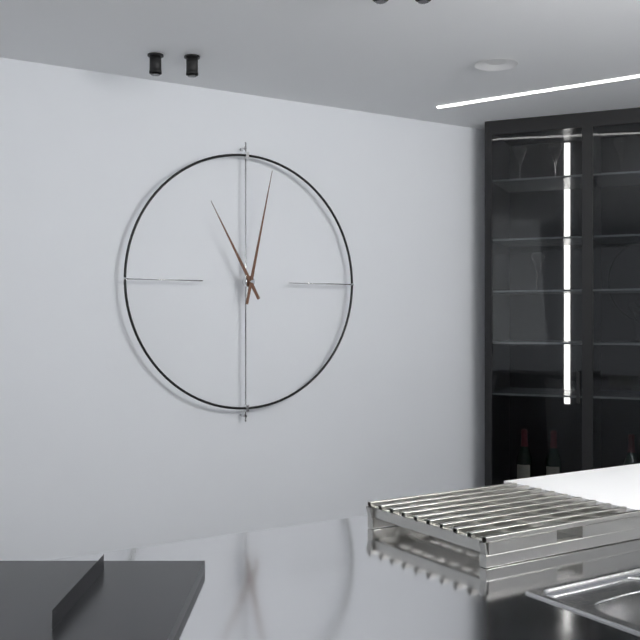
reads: 11,02
